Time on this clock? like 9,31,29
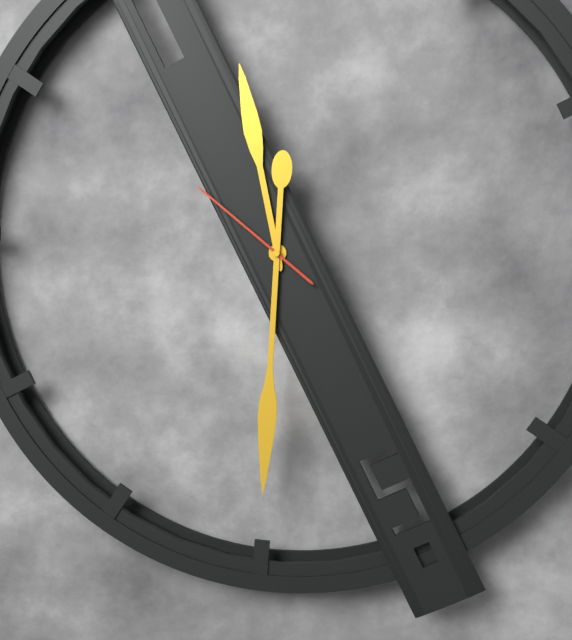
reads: 11,30,51
